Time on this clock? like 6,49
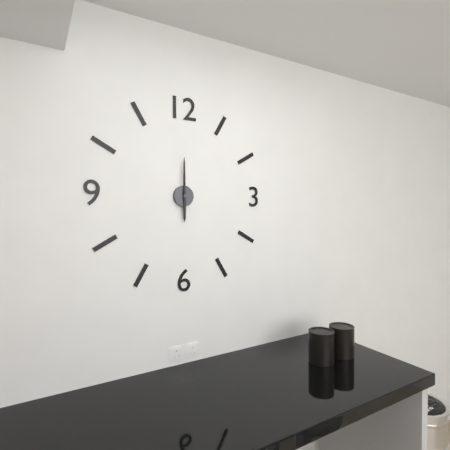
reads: 6,00
